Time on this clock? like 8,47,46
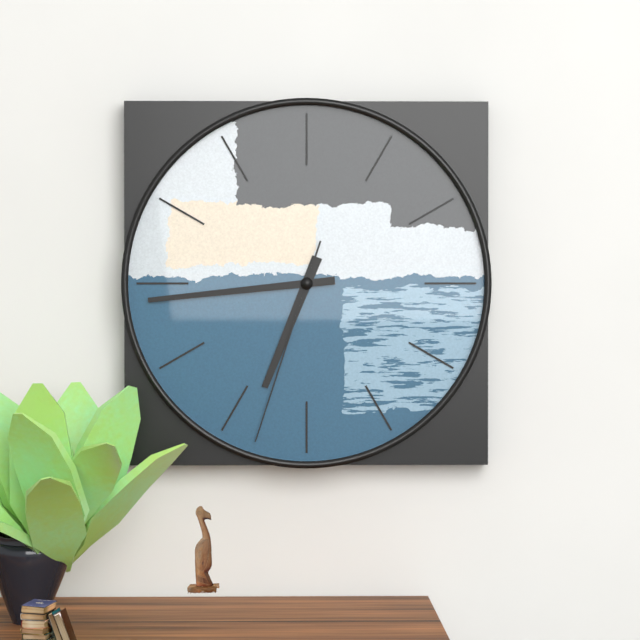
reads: 6,44,33
